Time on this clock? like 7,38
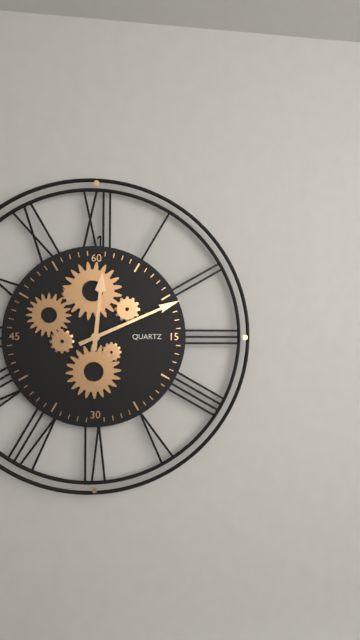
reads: 12,11
